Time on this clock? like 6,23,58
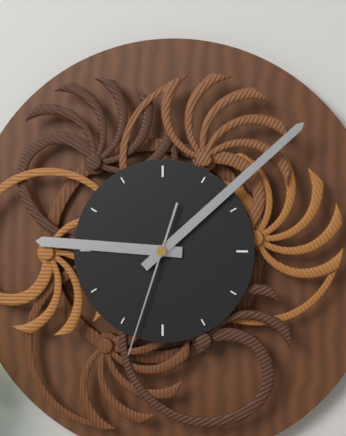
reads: 9,08,33
